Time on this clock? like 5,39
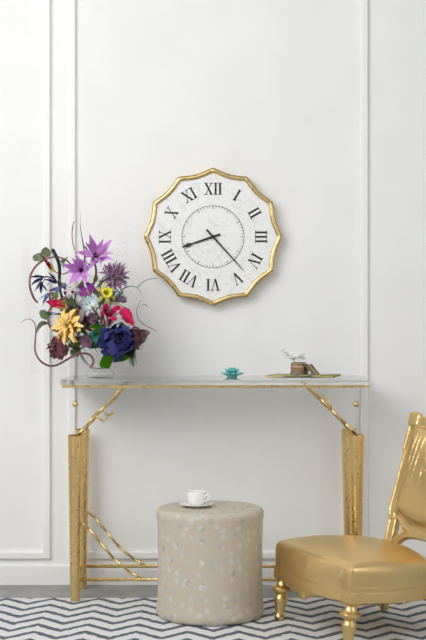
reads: 8,23
